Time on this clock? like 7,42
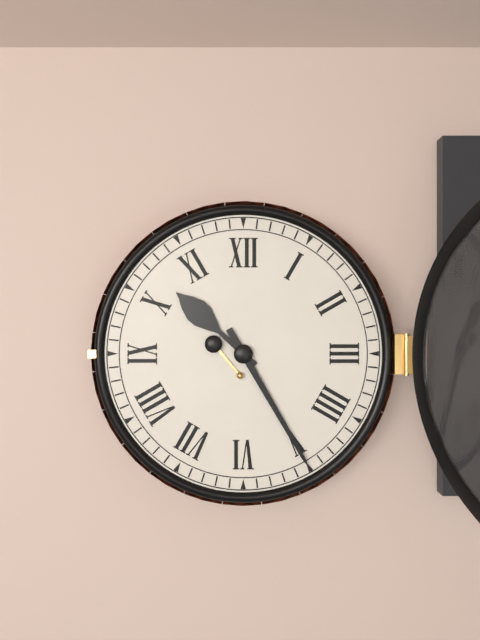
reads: 10,25
